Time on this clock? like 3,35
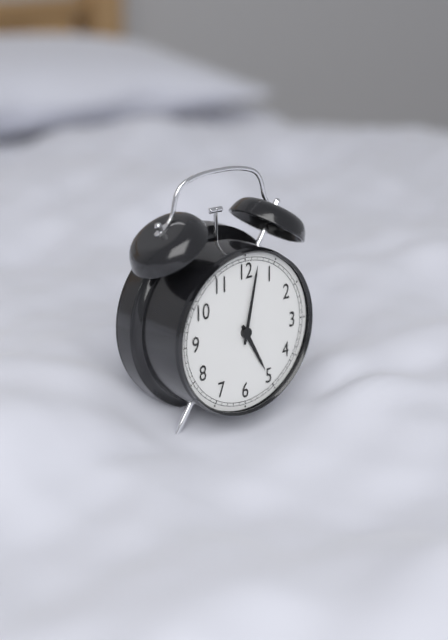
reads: 5,02
